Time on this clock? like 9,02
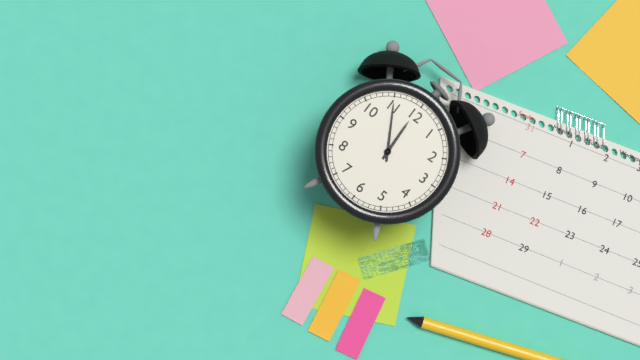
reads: 11,55
